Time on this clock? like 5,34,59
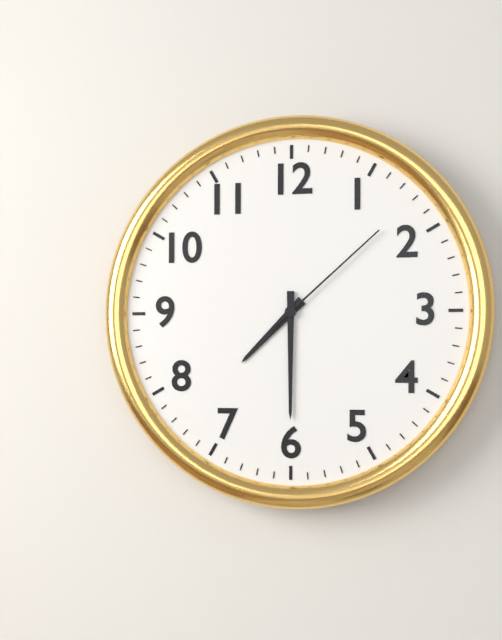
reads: 7,30,08
